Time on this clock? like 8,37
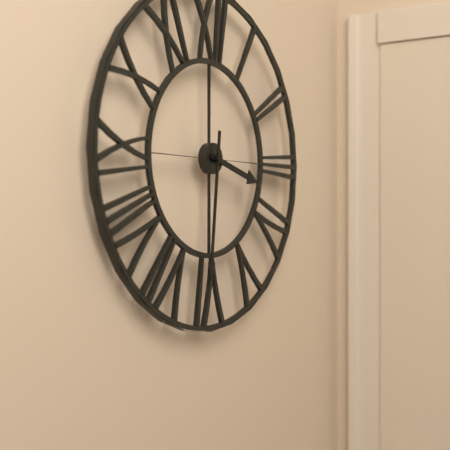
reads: 3,31
